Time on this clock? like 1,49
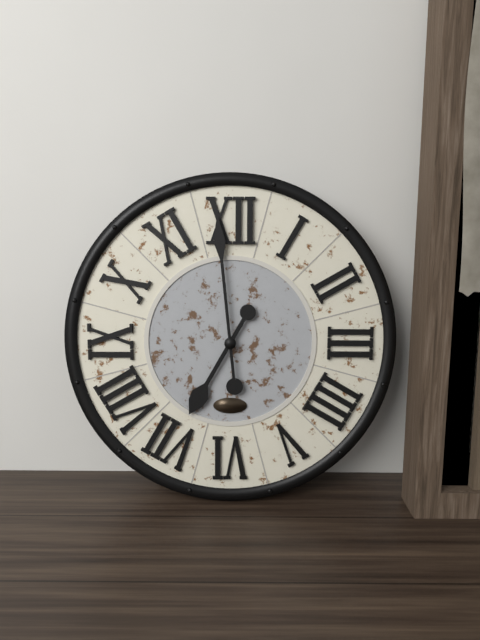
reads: 6,59
